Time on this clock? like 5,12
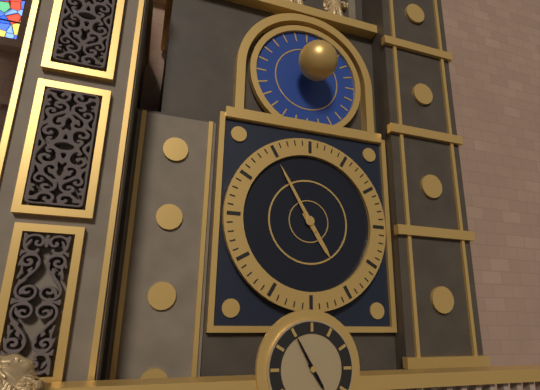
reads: 4,55
